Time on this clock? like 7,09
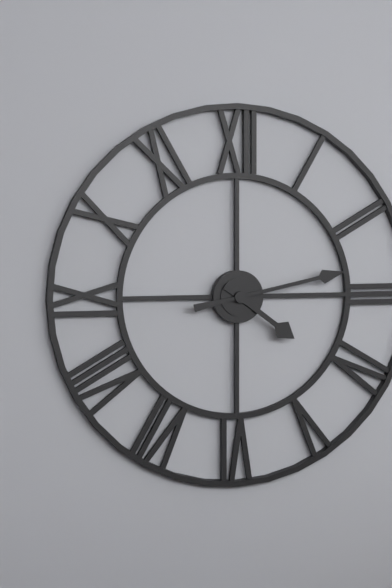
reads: 4,13
